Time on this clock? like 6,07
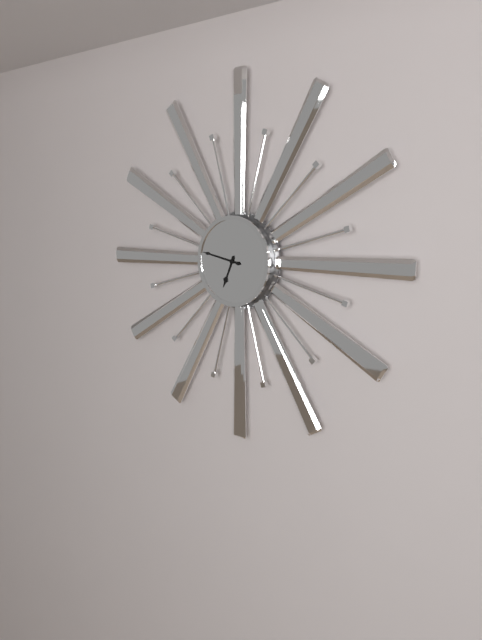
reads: 6,47
